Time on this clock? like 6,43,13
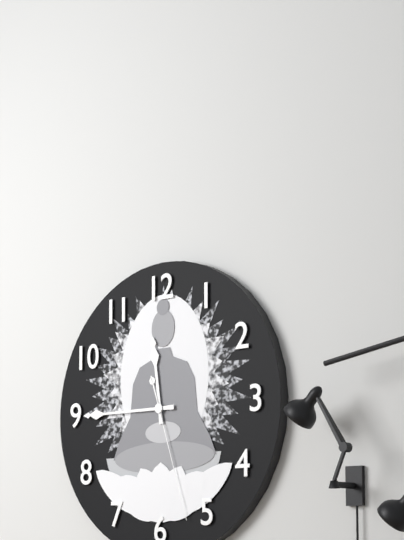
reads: 11,45,27
